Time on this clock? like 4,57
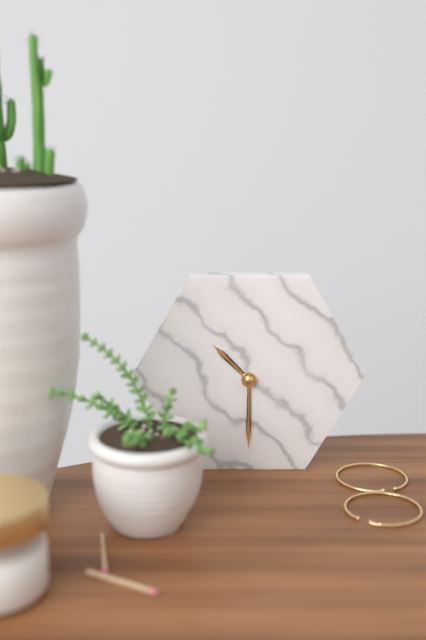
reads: 10,30
